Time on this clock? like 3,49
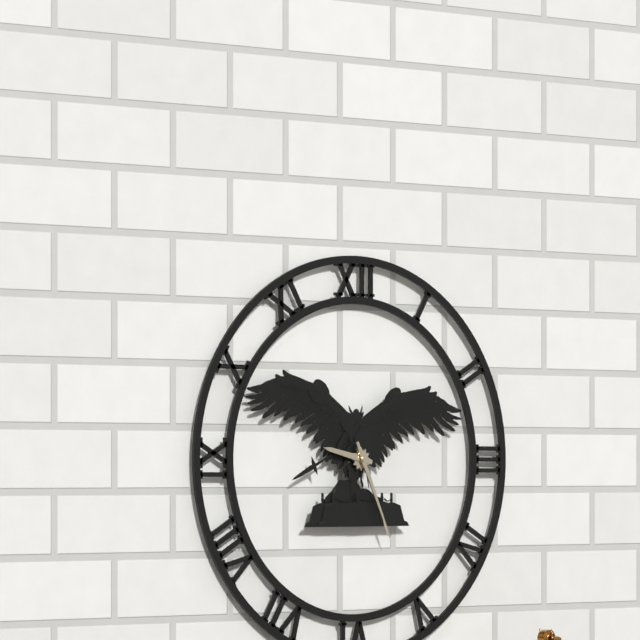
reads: 9,26
